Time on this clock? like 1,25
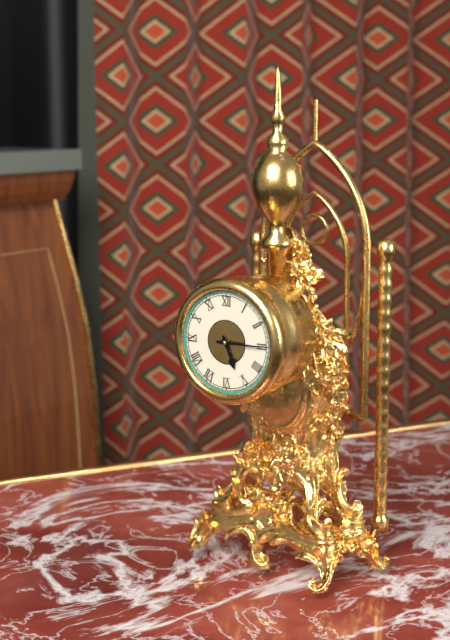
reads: 5,15
